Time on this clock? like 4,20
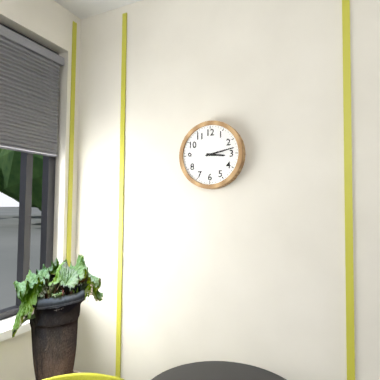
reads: 3,13
